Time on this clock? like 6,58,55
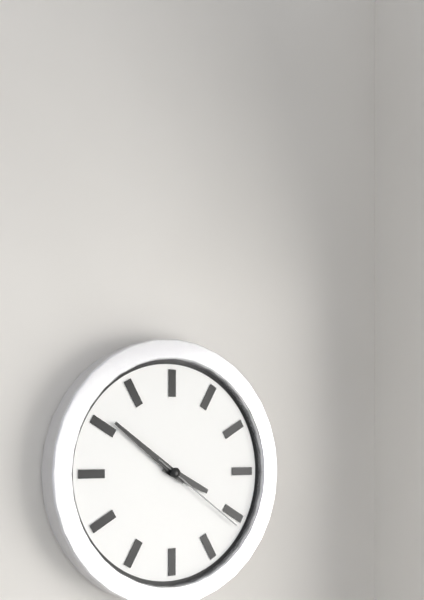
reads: 3,51,21
